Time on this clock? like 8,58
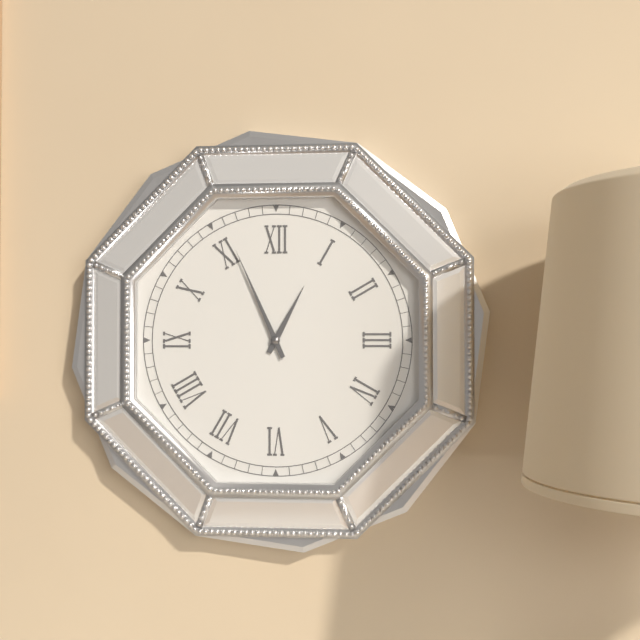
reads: 12,56
